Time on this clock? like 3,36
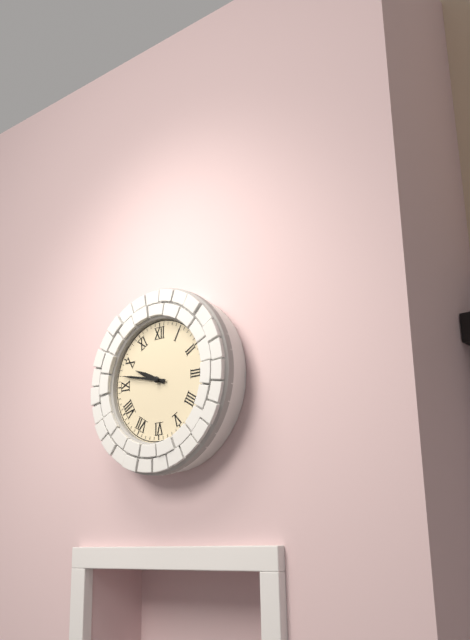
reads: 9,47
